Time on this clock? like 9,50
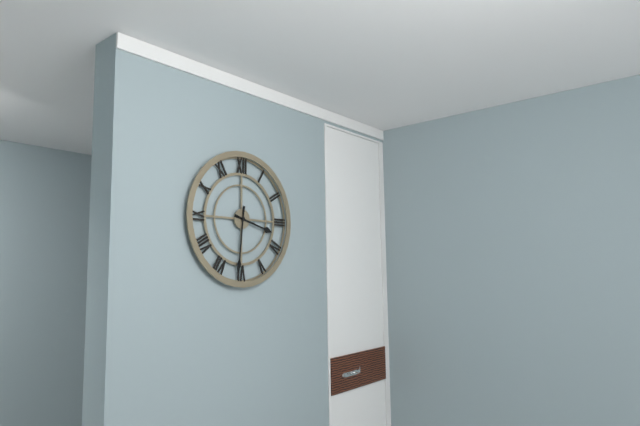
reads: 3,31
